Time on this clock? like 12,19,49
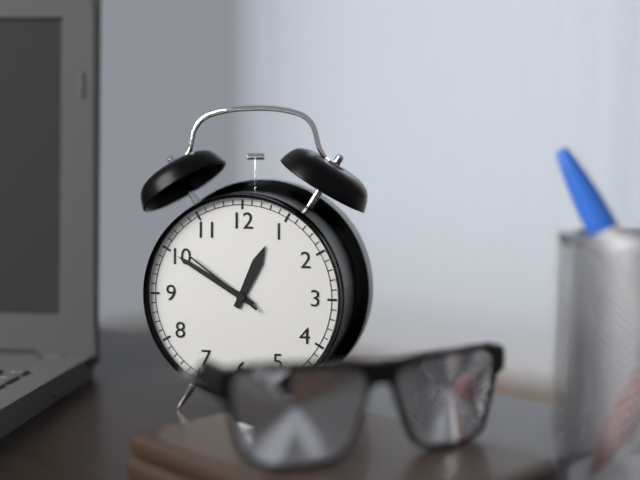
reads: 12,50,51
